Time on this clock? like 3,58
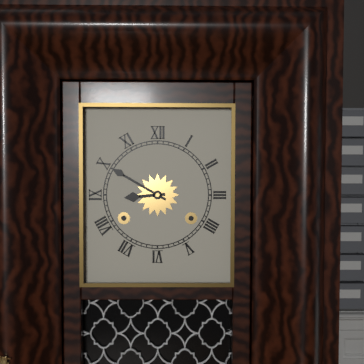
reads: 8,50
